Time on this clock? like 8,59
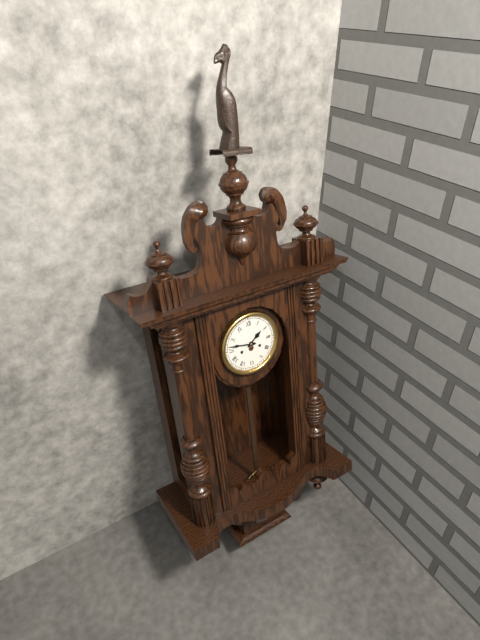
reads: 1,47
